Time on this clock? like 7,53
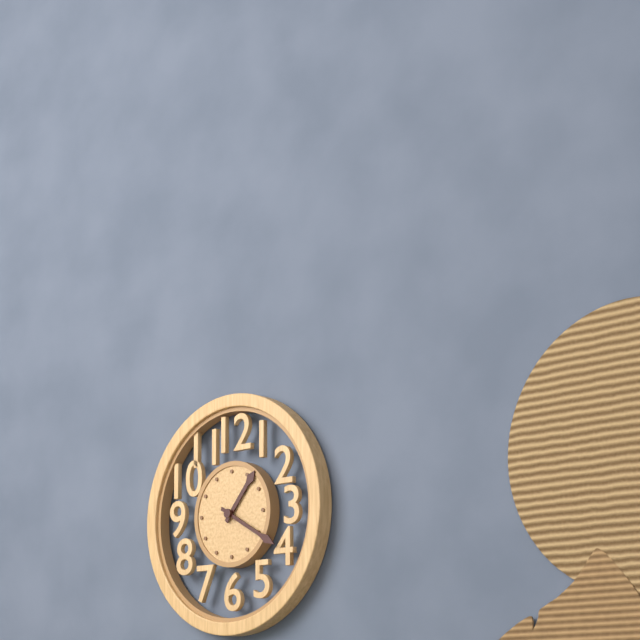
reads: 1,20
